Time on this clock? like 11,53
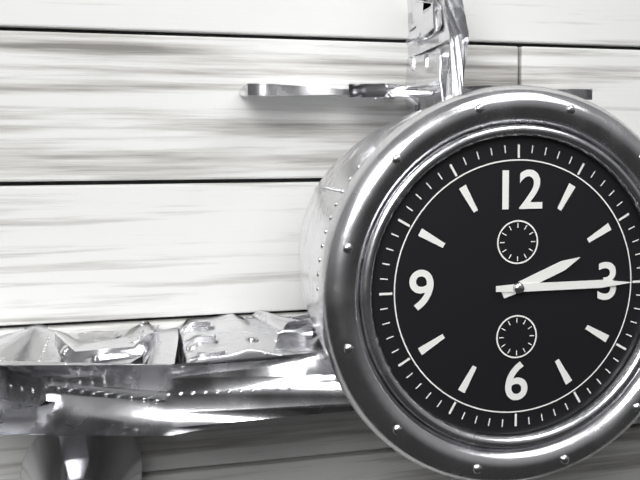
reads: 2,15
